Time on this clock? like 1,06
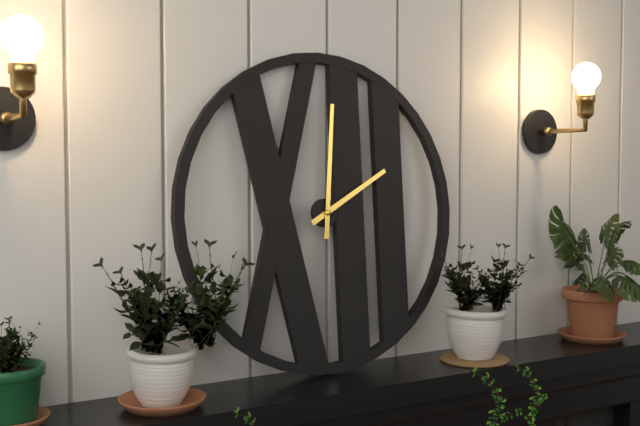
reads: 2,01
